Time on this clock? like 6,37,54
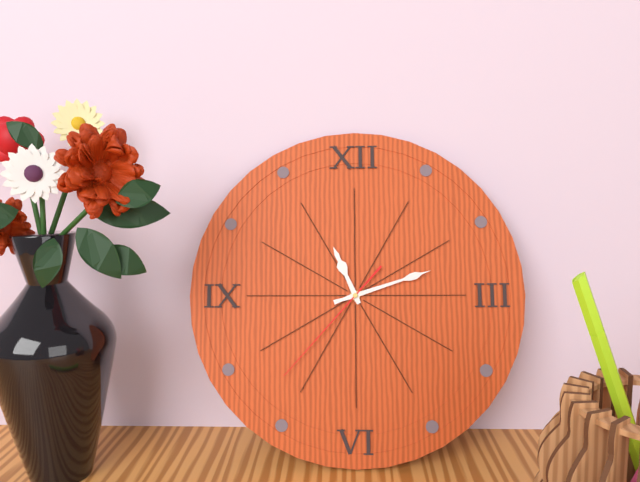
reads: 11,12,37
